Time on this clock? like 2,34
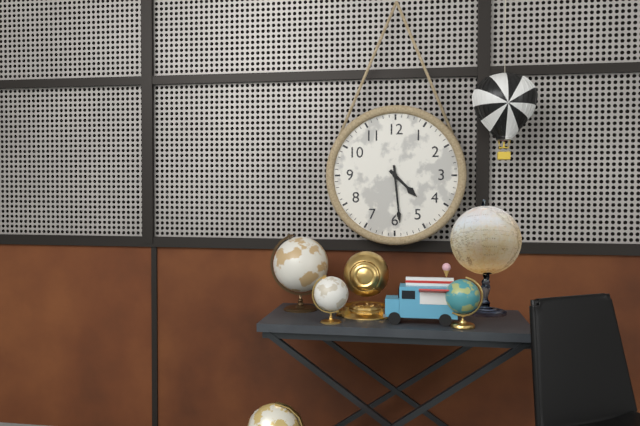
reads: 4,29
